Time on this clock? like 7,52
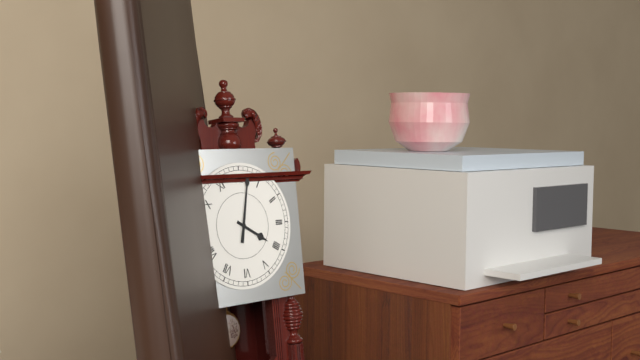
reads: 4,02
